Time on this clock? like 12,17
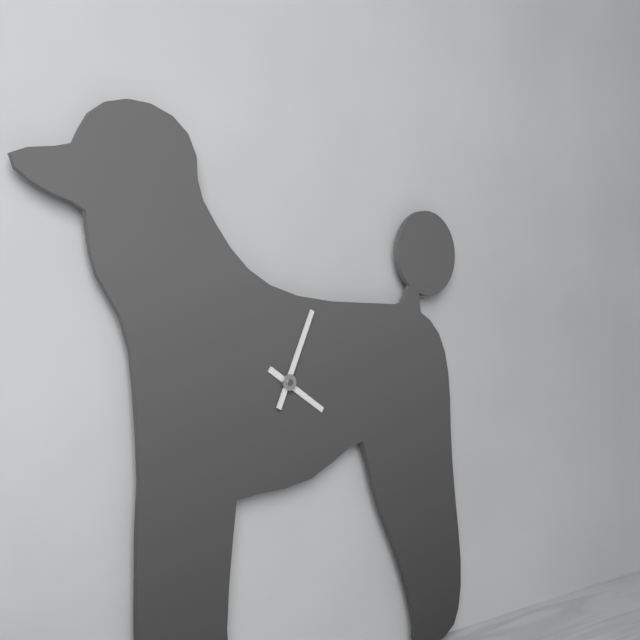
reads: 4,04
